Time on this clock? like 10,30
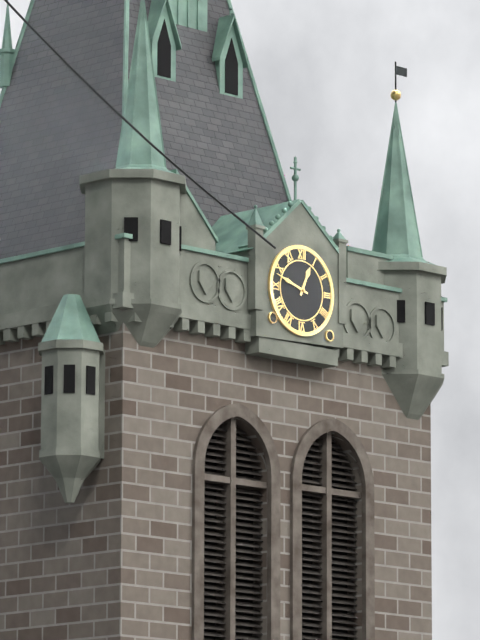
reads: 12,48
